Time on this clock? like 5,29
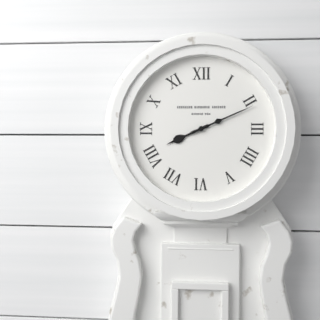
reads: 8,11
